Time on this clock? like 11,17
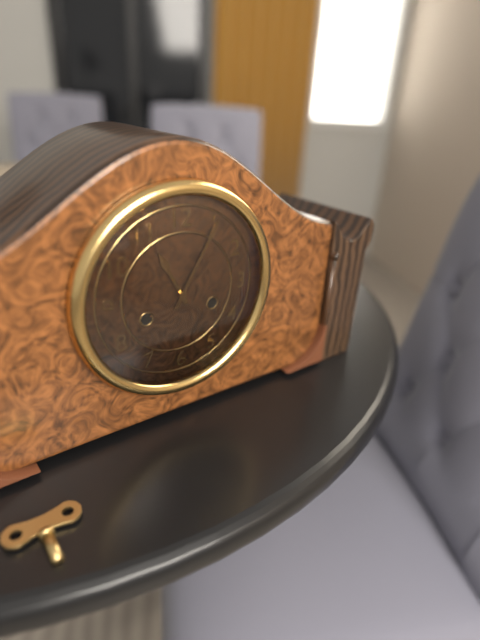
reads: 11,05
